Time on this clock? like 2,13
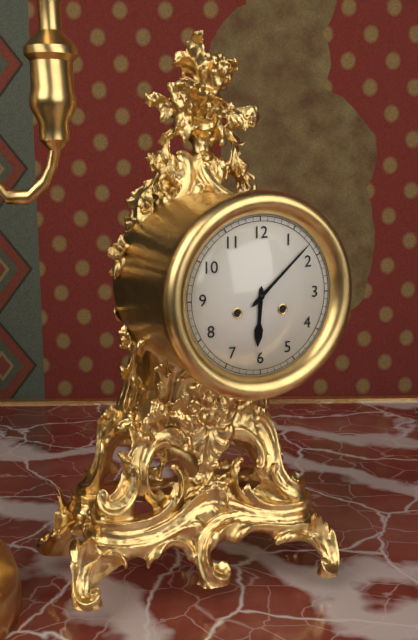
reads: 6,08
